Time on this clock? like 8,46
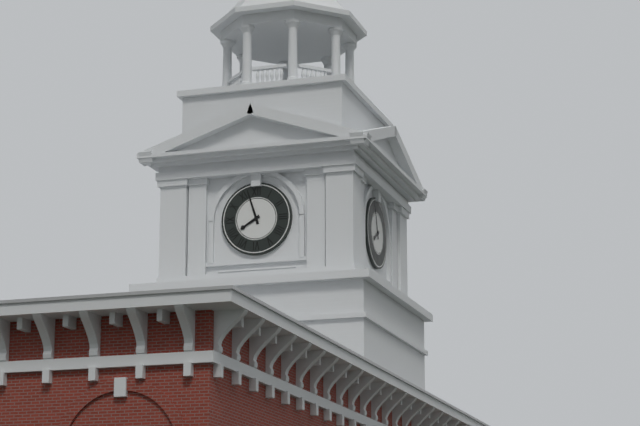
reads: 7,57
